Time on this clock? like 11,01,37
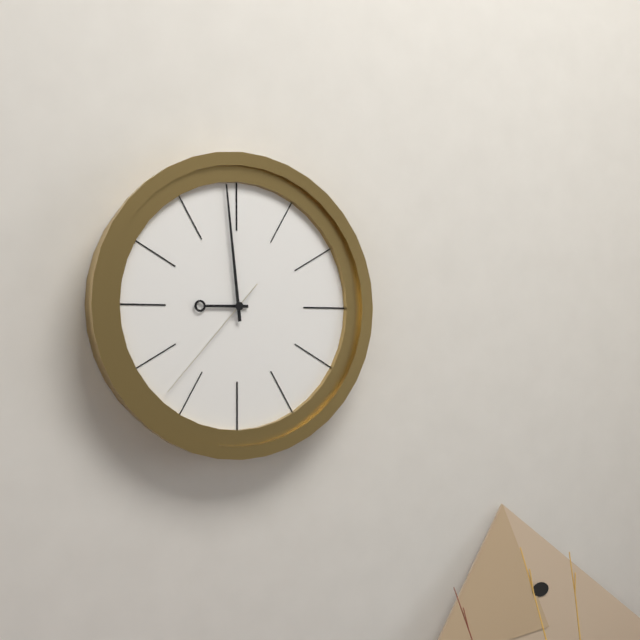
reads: 8,59,37
